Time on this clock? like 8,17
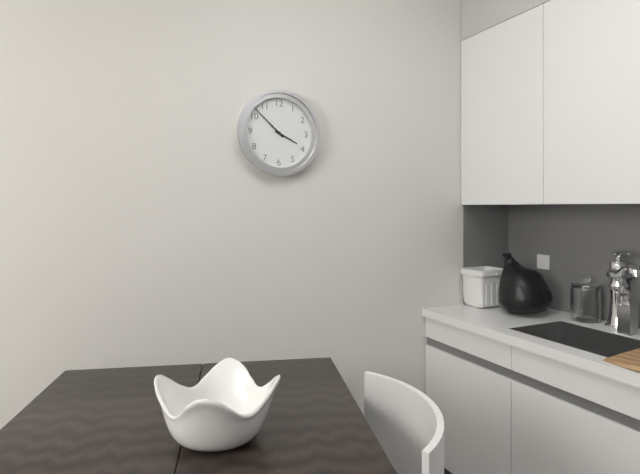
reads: 3,52
